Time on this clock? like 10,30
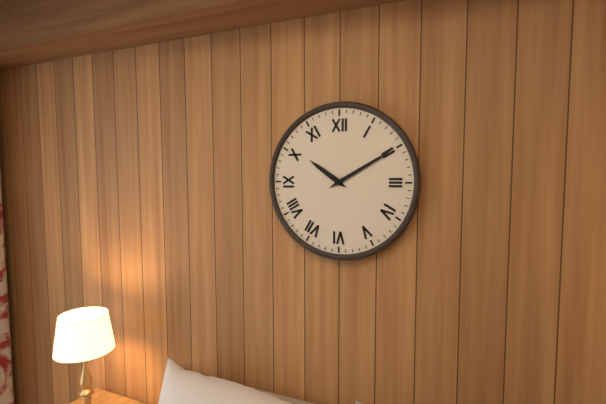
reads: 10,10
